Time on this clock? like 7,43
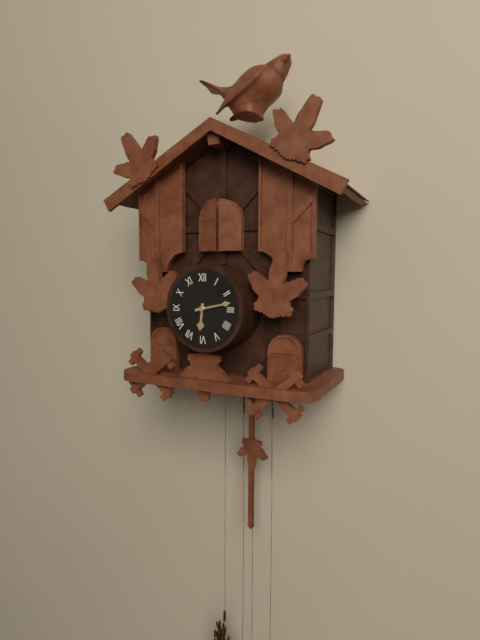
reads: 6,13
